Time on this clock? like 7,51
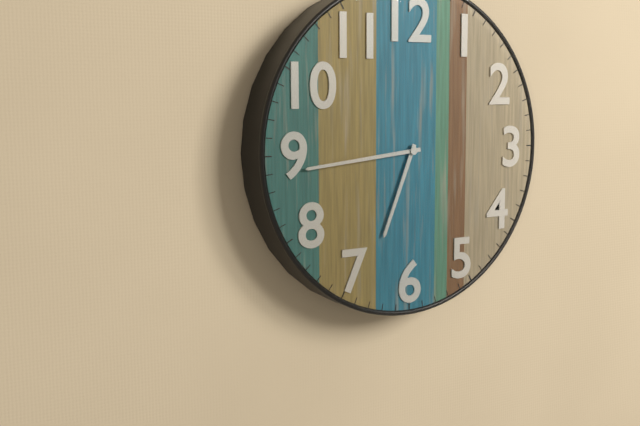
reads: 6,44
